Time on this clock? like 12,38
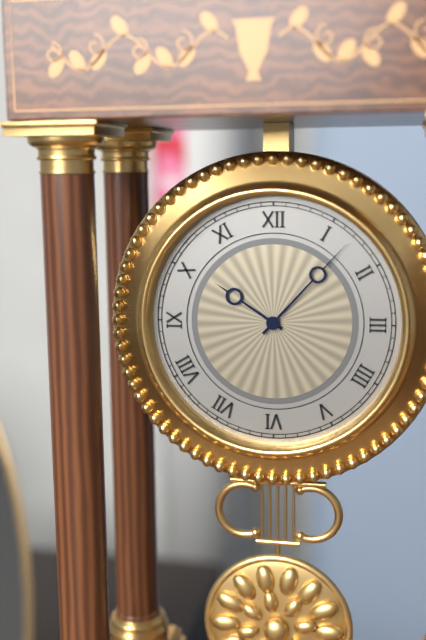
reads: 10,07
